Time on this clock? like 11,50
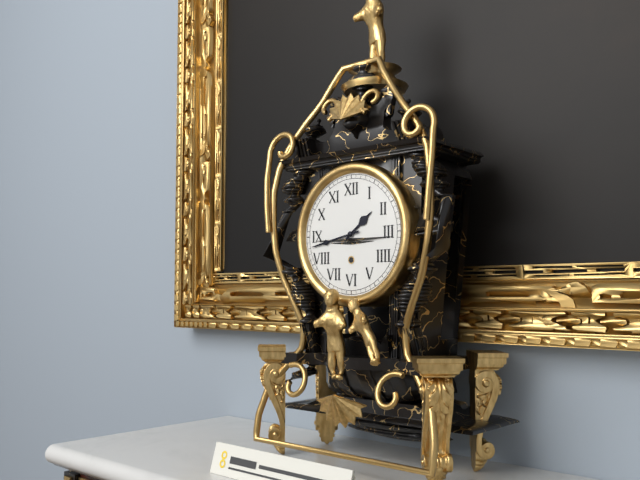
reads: 1,43
